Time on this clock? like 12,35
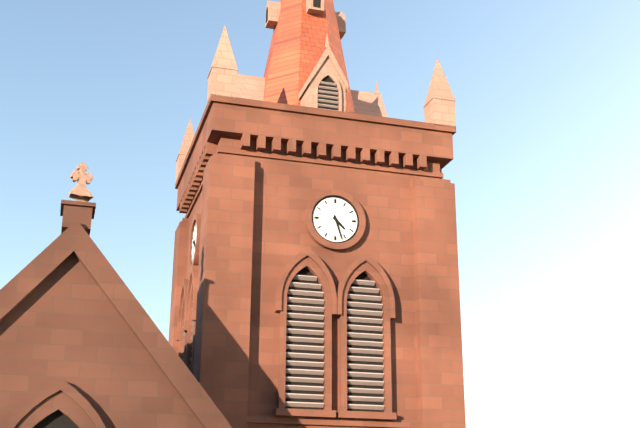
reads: 4,27
